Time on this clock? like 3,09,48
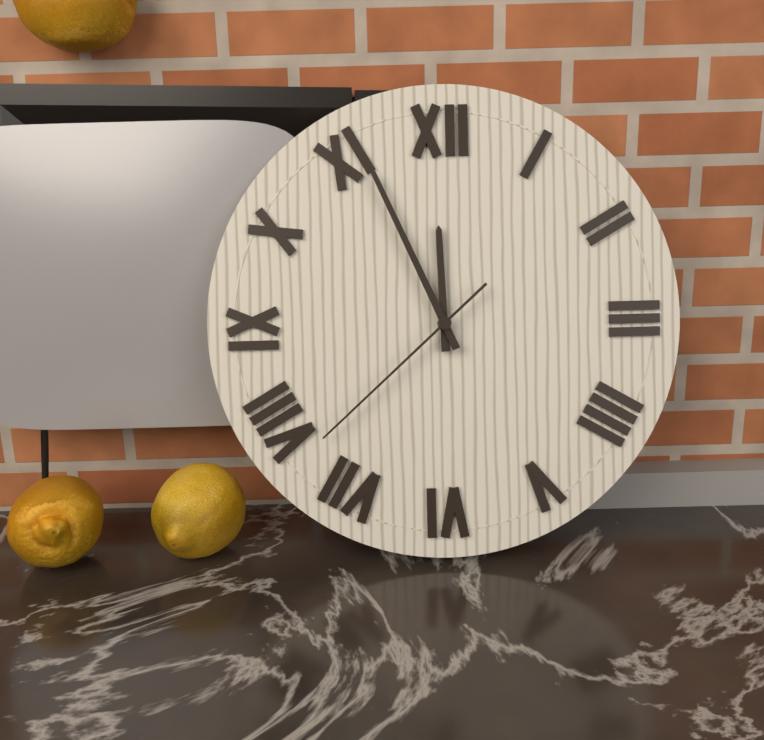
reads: 11,56,38
